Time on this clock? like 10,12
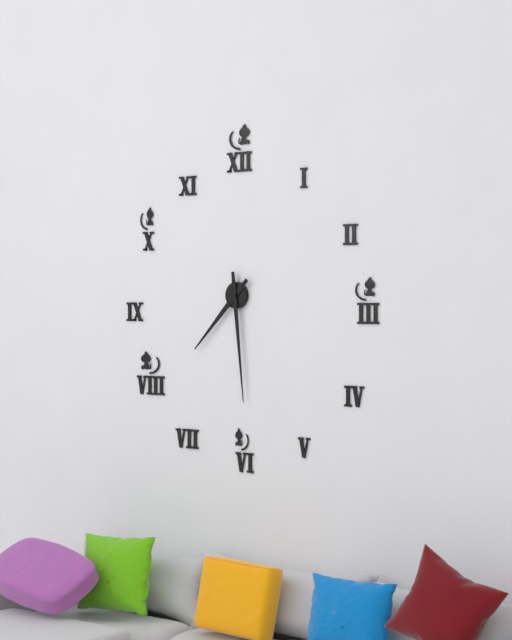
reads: 7,29
